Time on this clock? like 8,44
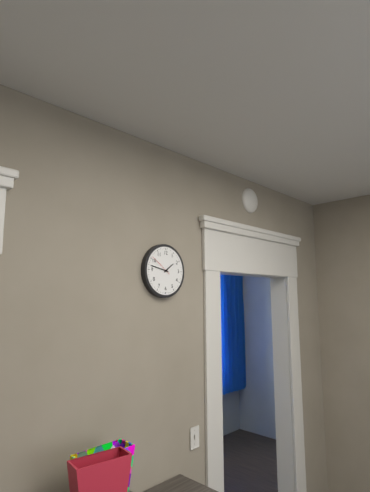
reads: 1,47
